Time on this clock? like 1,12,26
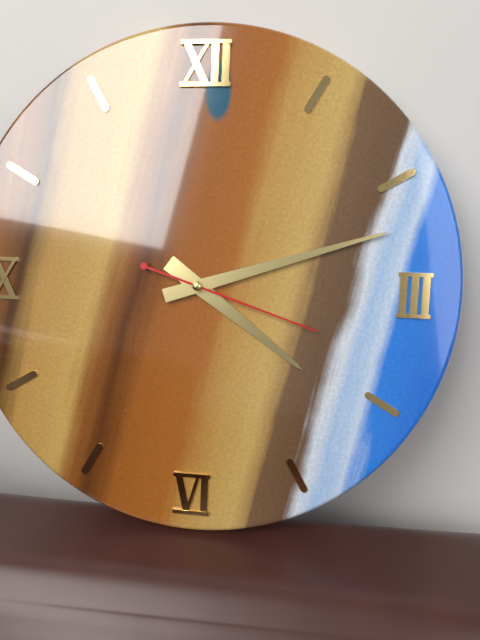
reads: 4,12,18
